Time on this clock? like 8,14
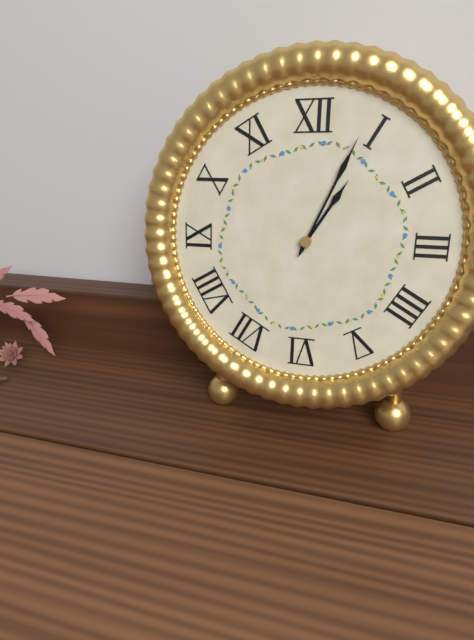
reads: 1,04
